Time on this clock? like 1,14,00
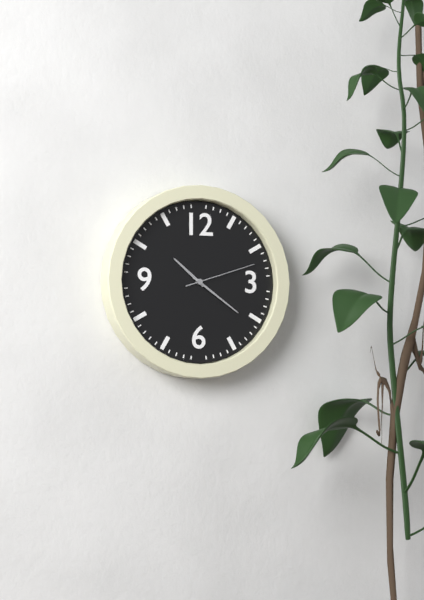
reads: 10,21,12
